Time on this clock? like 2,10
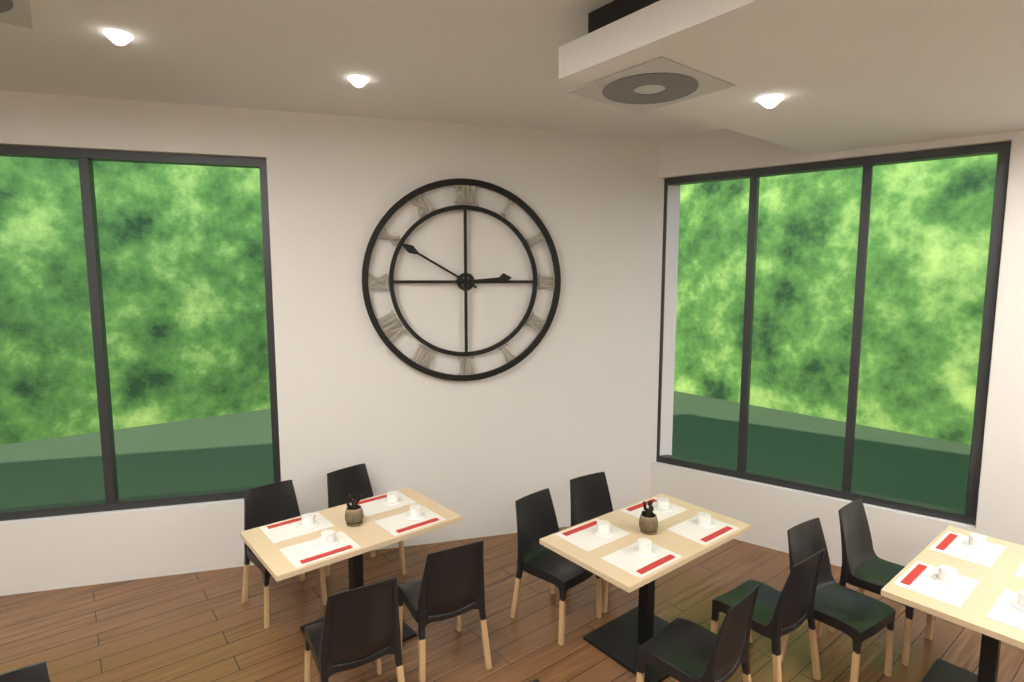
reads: 2,50
